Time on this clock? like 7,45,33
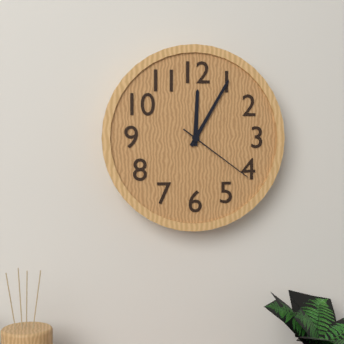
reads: 12,05,21
